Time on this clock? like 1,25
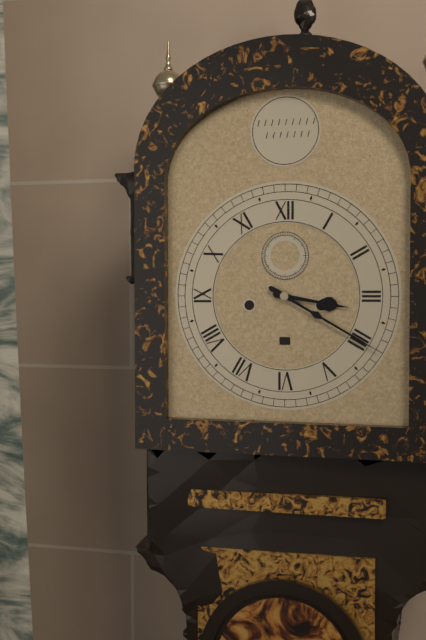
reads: 3,20
